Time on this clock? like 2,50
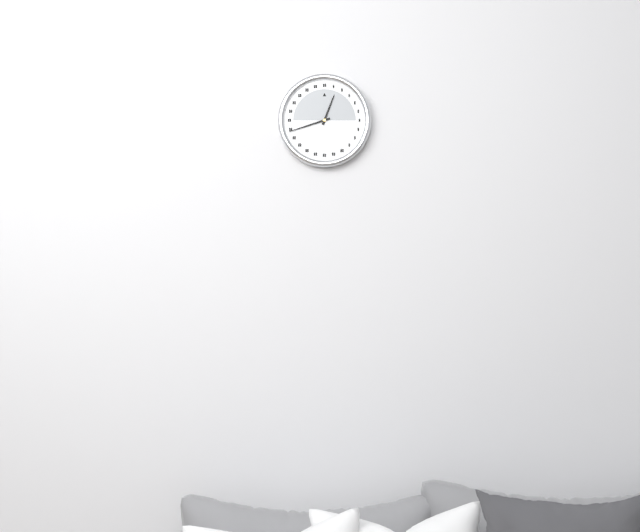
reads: 12,42
